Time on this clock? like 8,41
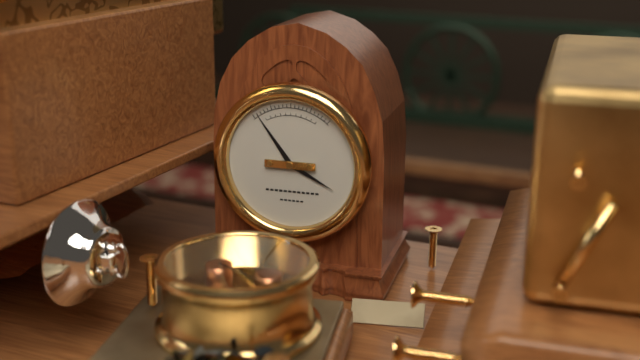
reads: 3,54
